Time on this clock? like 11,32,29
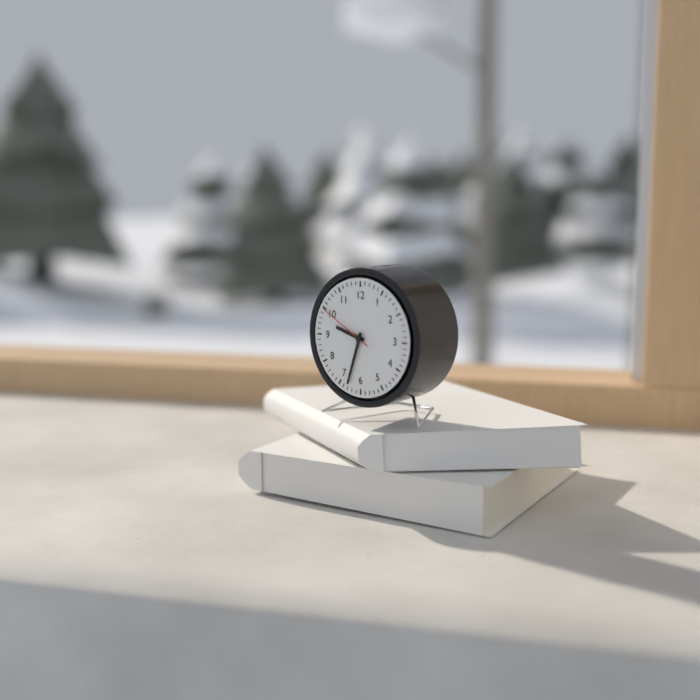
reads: 9,33,50
